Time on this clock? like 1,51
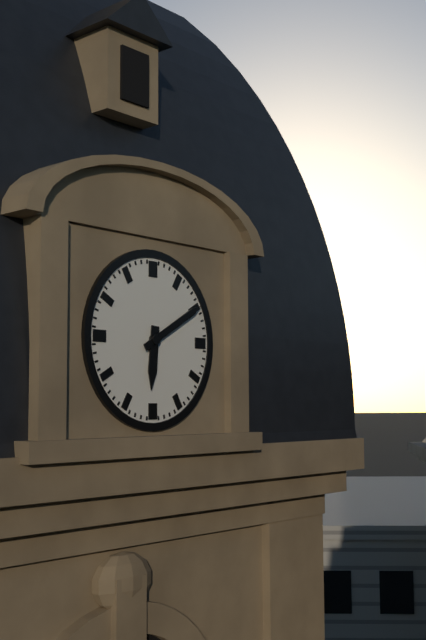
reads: 6,10
